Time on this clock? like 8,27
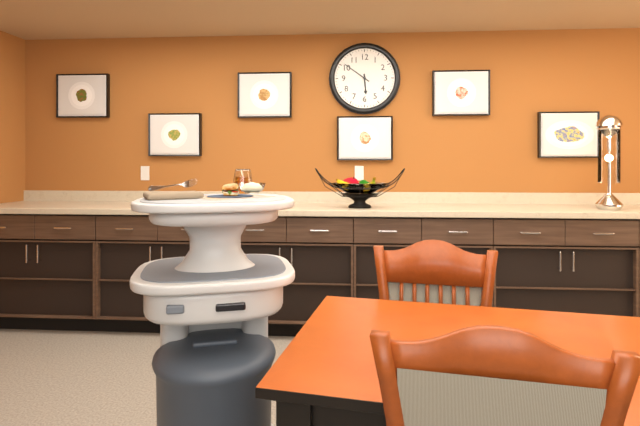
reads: 5,51
